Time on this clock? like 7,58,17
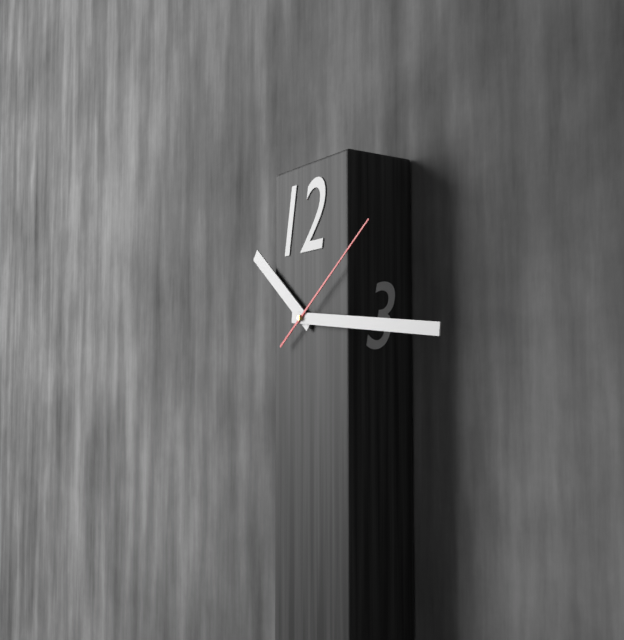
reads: 10,16,09
